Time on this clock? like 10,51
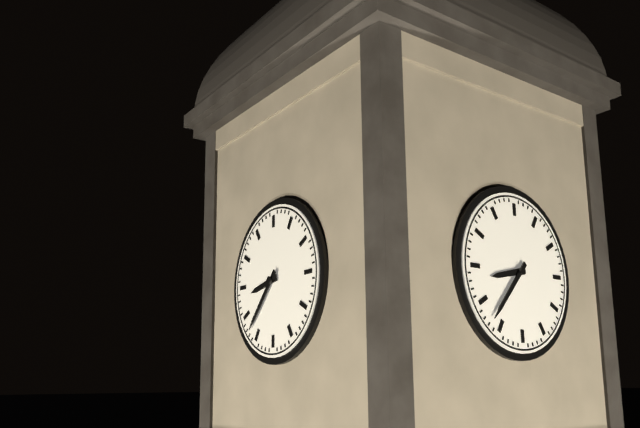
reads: 8,37
